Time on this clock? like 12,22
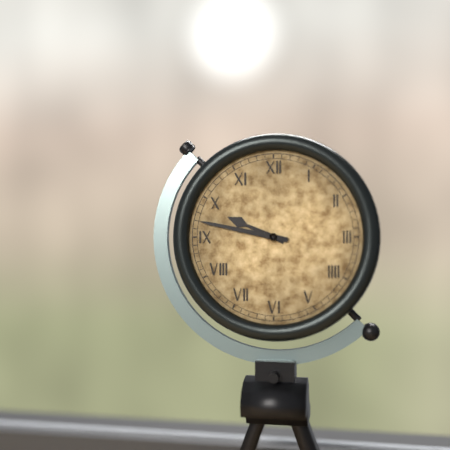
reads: 9,47
